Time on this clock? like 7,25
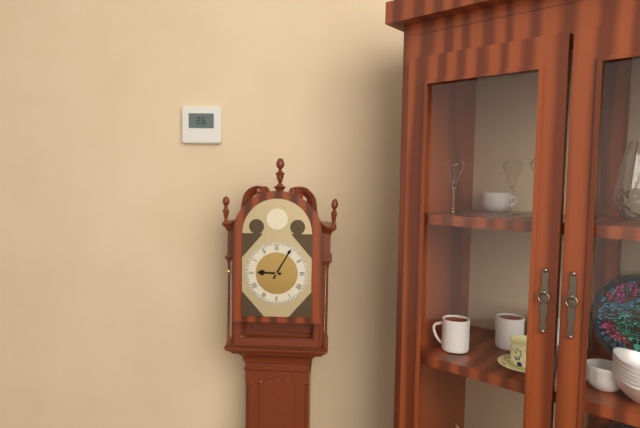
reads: 9,05
